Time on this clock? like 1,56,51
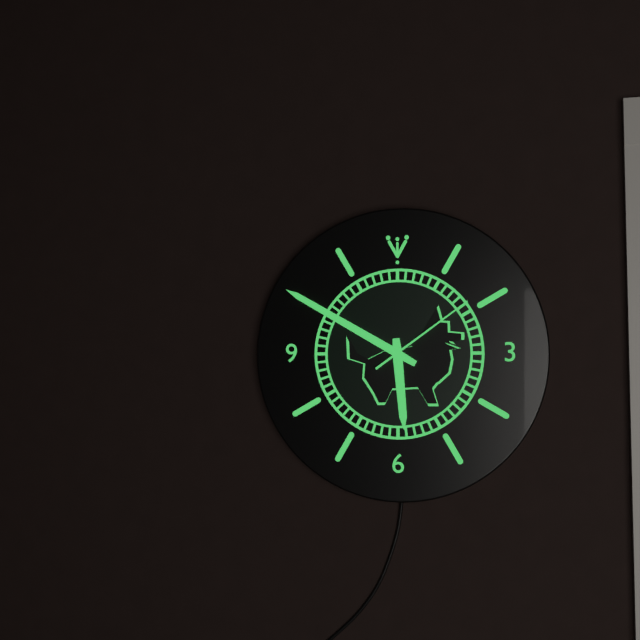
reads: 5,50,09
